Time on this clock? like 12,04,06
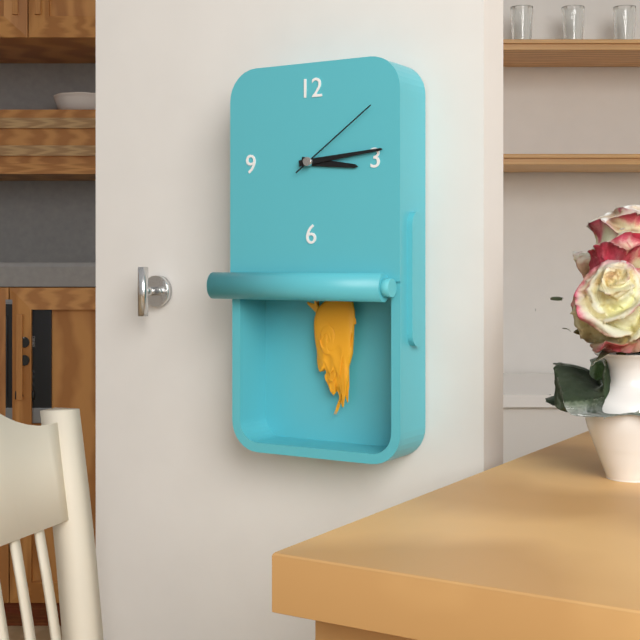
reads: 3,14,09
